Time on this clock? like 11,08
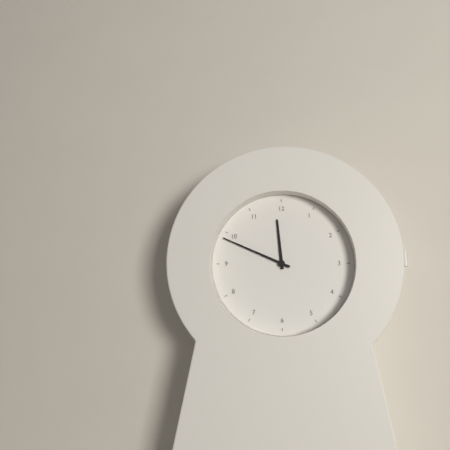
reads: 11,49
